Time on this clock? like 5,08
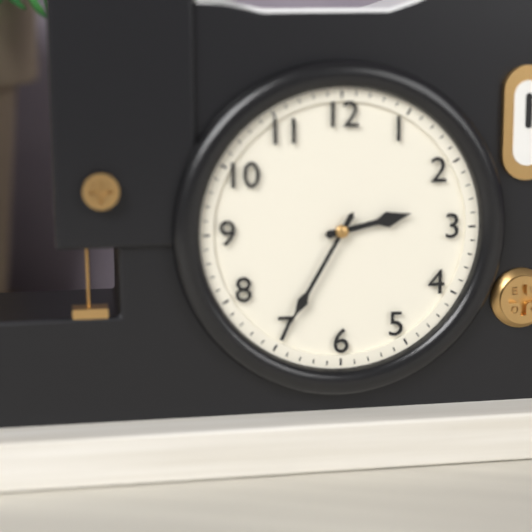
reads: 2,35
